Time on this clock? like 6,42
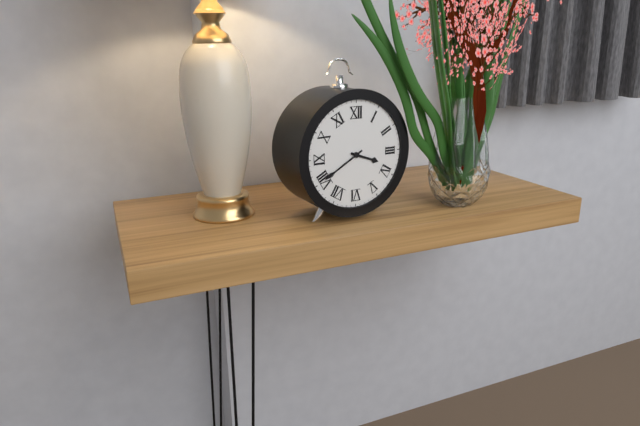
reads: 3,40
